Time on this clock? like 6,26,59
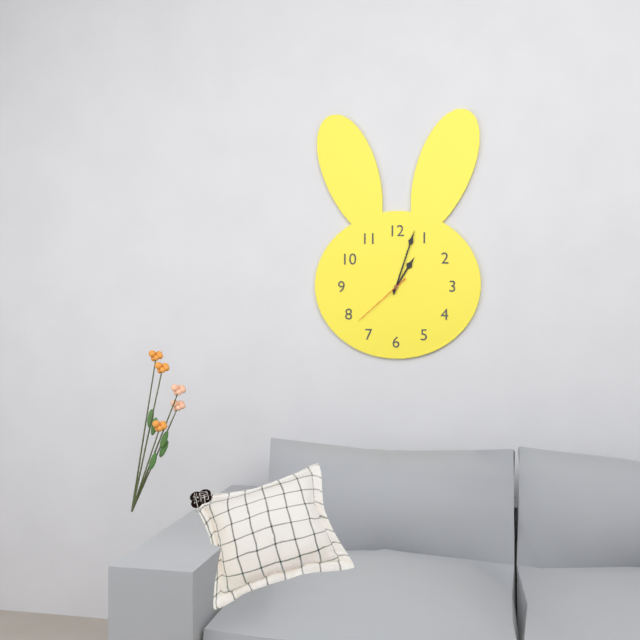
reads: 1,03,38
